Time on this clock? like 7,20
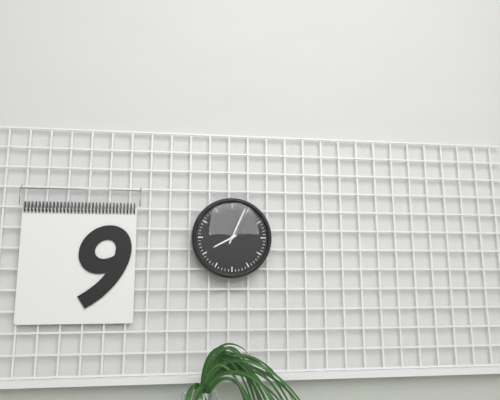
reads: 8,04
